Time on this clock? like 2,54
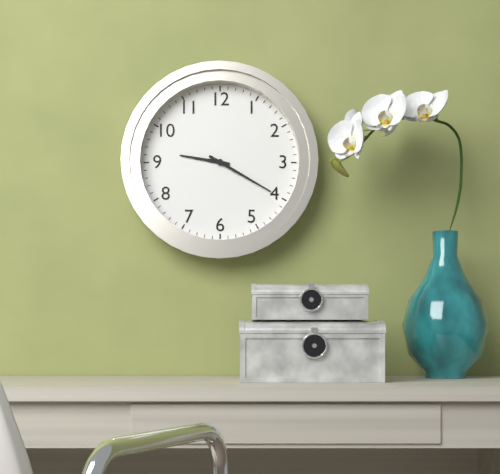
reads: 9,20
